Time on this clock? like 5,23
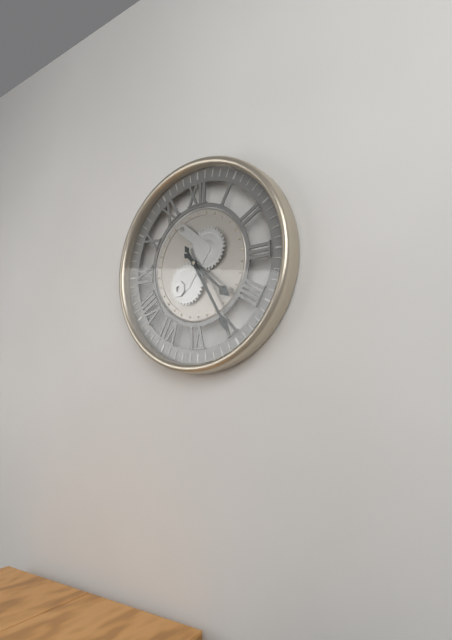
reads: 4,25
